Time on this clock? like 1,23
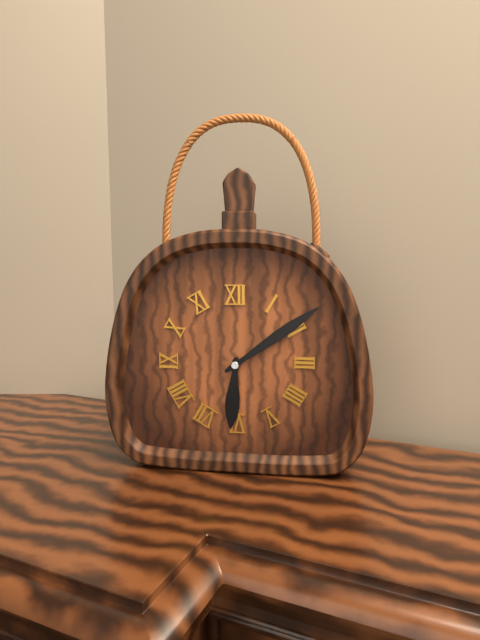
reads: 6,09
